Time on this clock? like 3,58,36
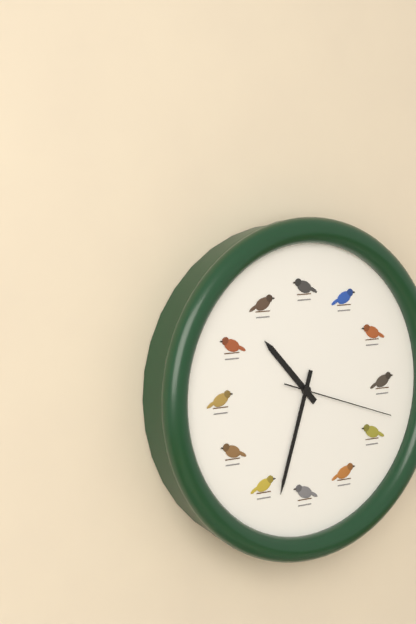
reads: 10,33,18
